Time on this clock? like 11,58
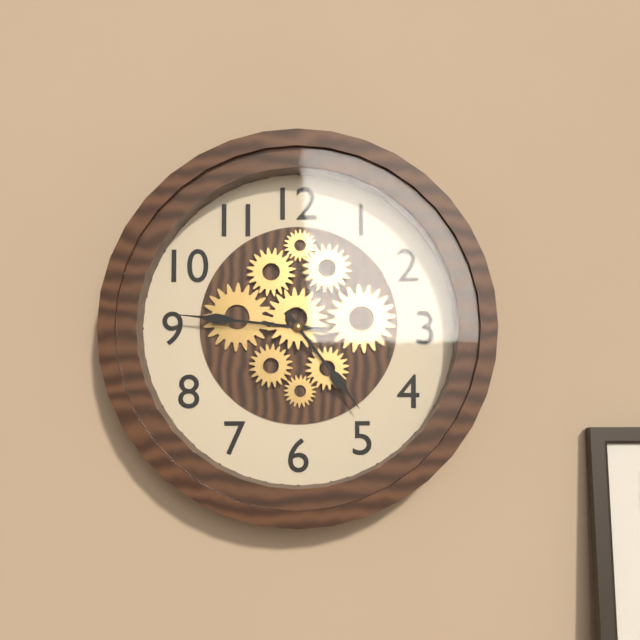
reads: 4,46
